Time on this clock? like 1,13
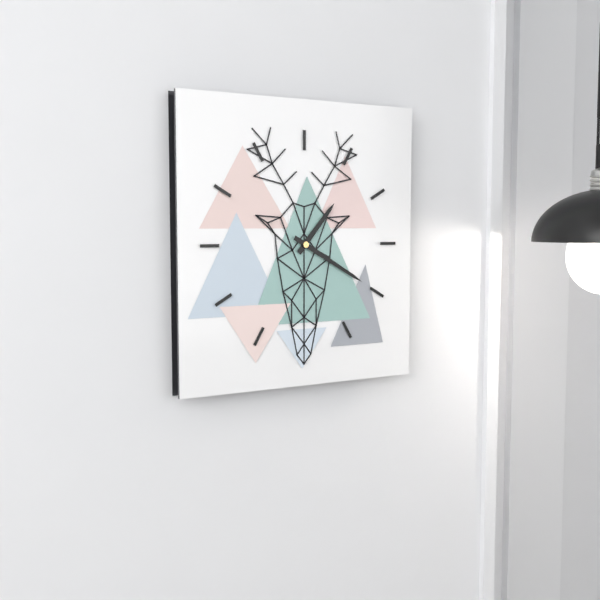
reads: 1,20
